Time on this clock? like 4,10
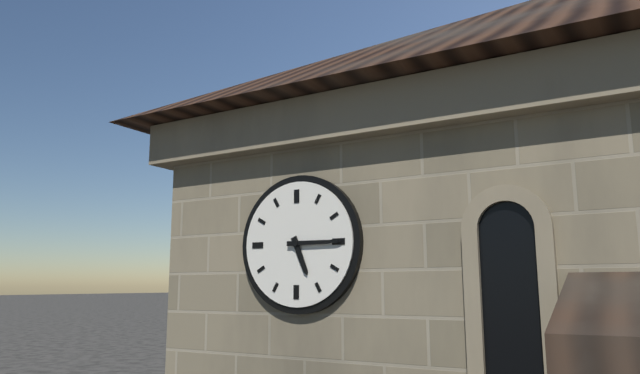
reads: 5,15
